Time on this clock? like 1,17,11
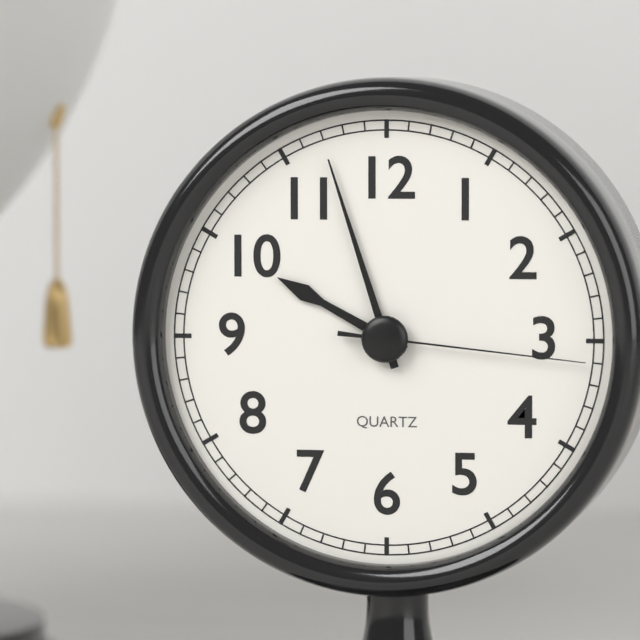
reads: 9,57,16
